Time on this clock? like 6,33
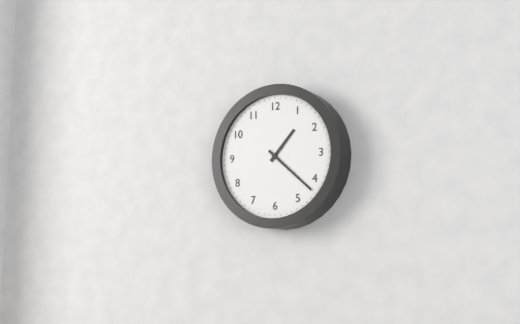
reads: 1,22
